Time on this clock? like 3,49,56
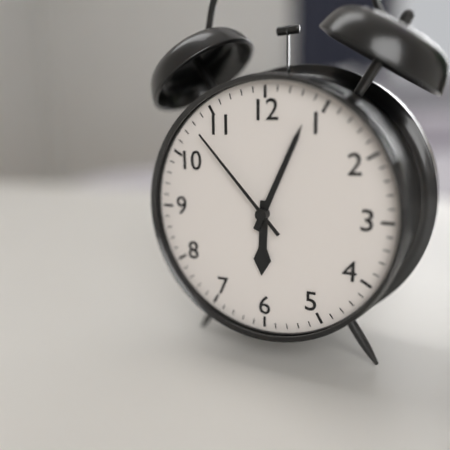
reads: 6,04,53
